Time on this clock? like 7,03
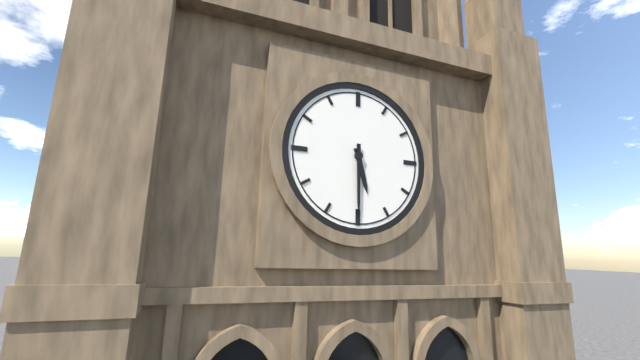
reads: 5,30
